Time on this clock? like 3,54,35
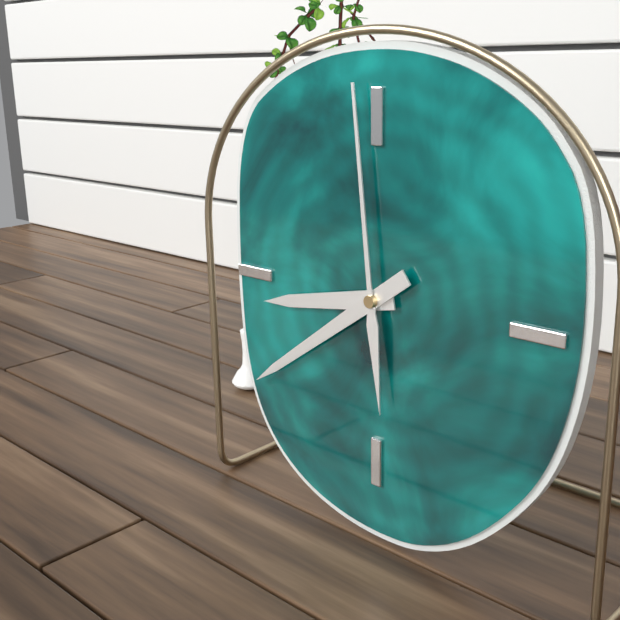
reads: 8,39,59
